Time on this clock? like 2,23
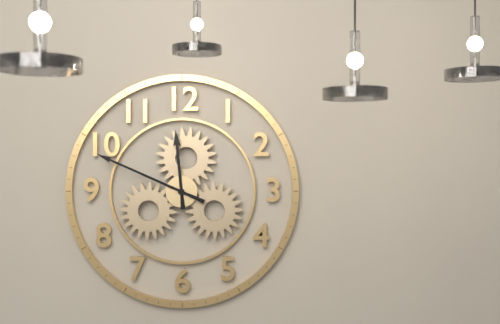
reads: 11,49
